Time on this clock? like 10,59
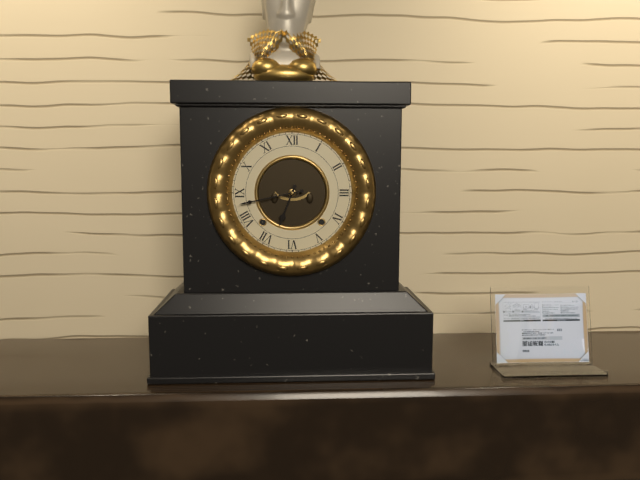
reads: 6,43
